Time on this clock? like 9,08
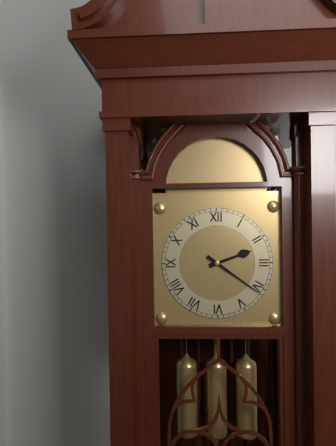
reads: 2,21
